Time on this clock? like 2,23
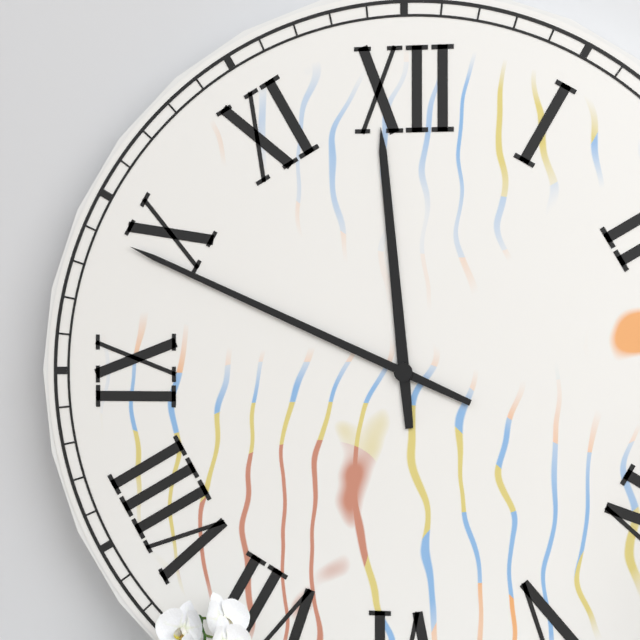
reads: 11,49
